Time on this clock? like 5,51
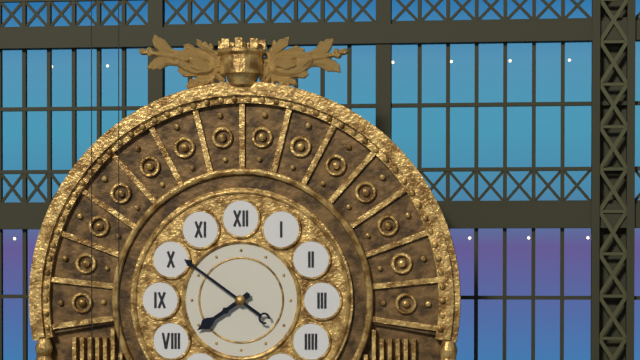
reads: 7,51
